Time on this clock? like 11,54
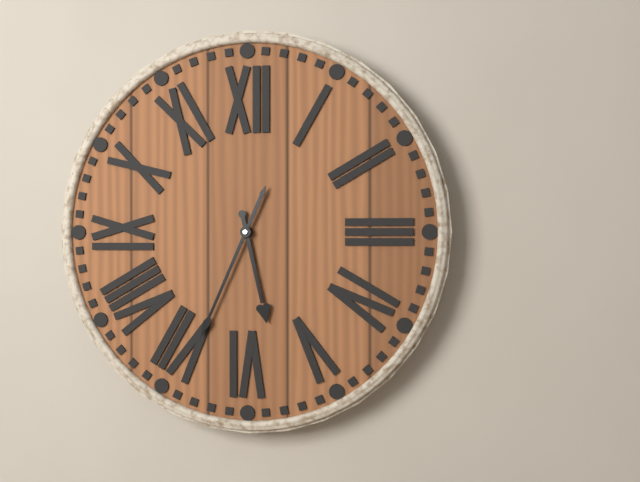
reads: 5,34
